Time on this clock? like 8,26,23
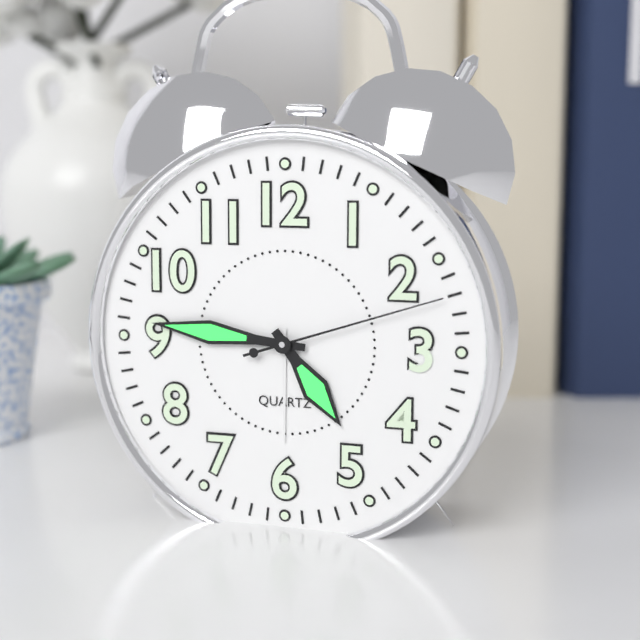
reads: 4,46,12
